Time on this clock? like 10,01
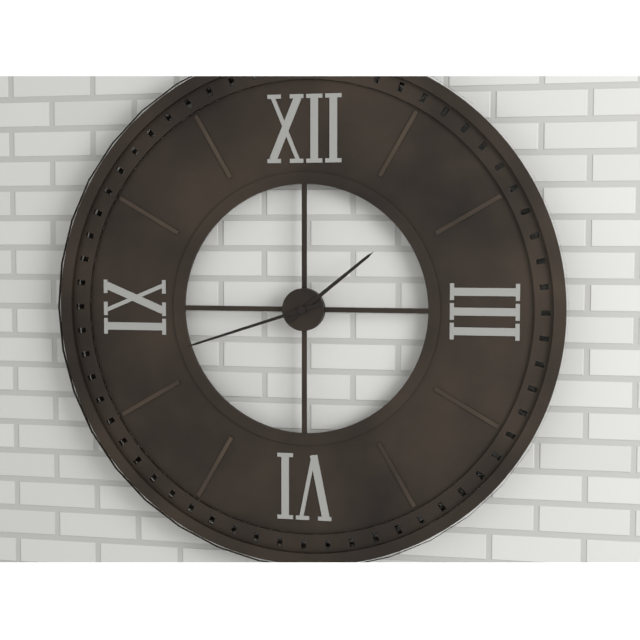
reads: 1,42
